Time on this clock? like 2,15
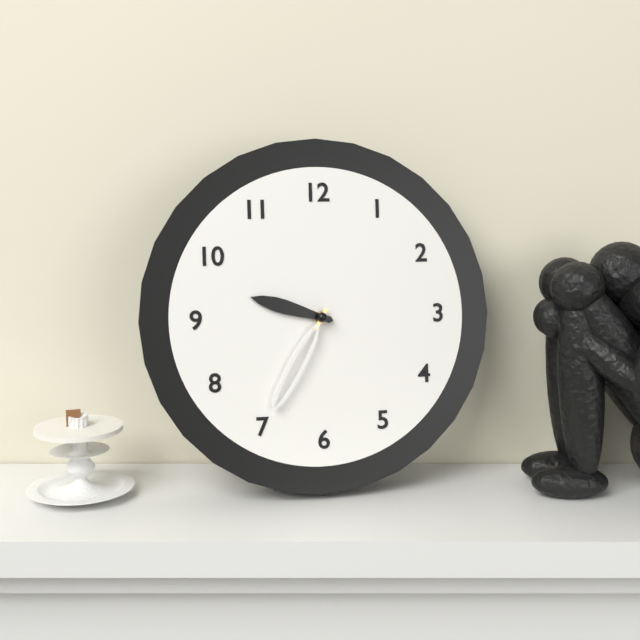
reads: 9,35
